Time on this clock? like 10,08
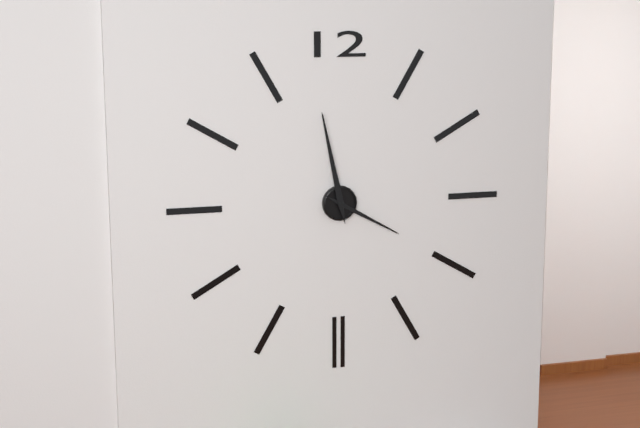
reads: 3,58
